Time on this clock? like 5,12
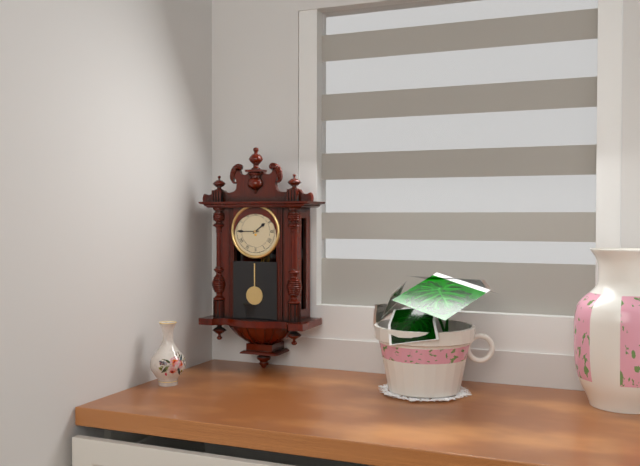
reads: 1,45
